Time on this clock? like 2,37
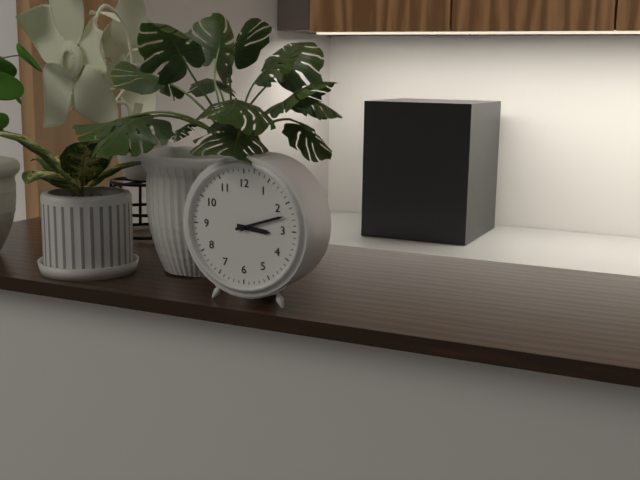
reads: 3,12
